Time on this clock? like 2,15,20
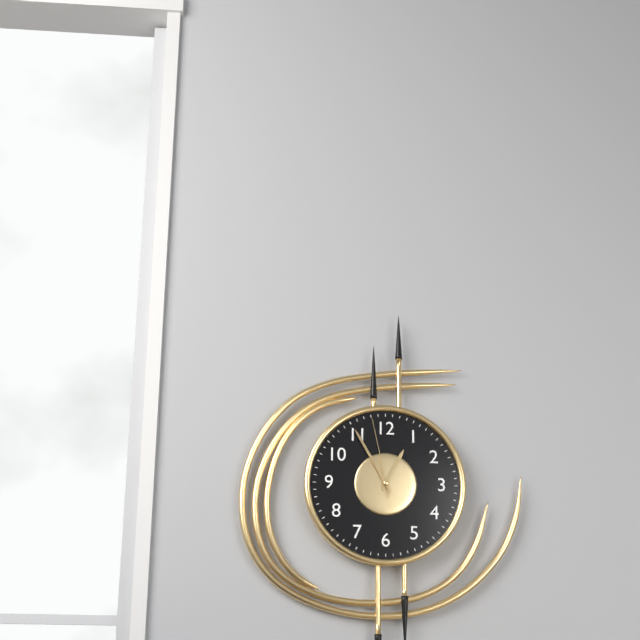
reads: 12,55,58
